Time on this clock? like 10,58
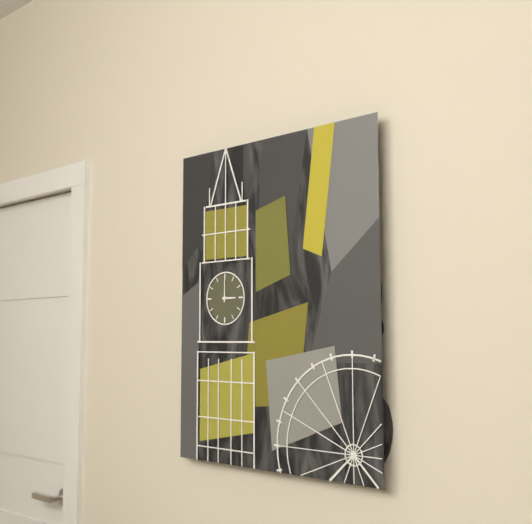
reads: 3,00
